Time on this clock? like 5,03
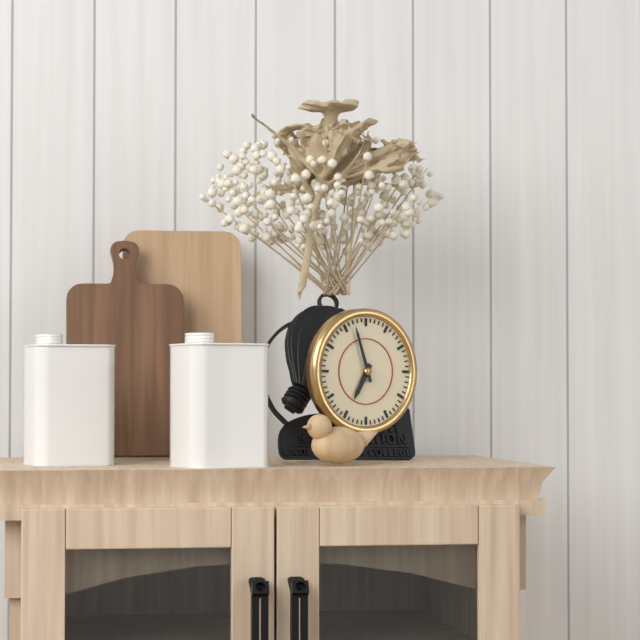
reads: 6,57
